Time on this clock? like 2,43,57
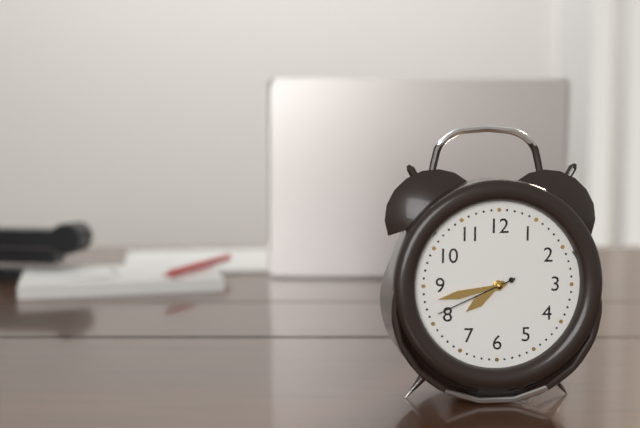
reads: 7,43,41
